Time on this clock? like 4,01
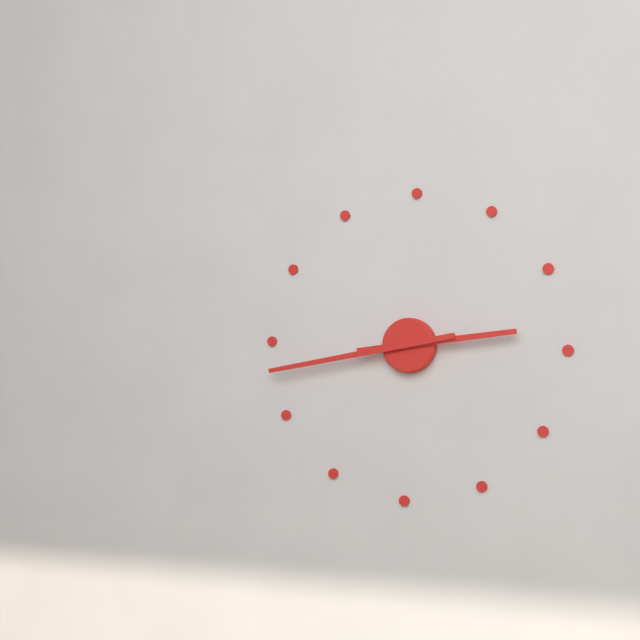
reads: 2,43
